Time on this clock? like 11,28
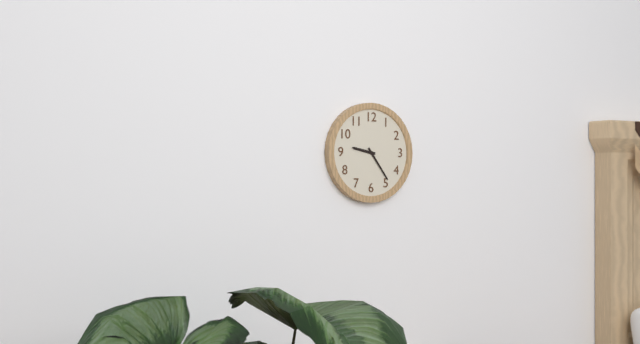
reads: 9,24
